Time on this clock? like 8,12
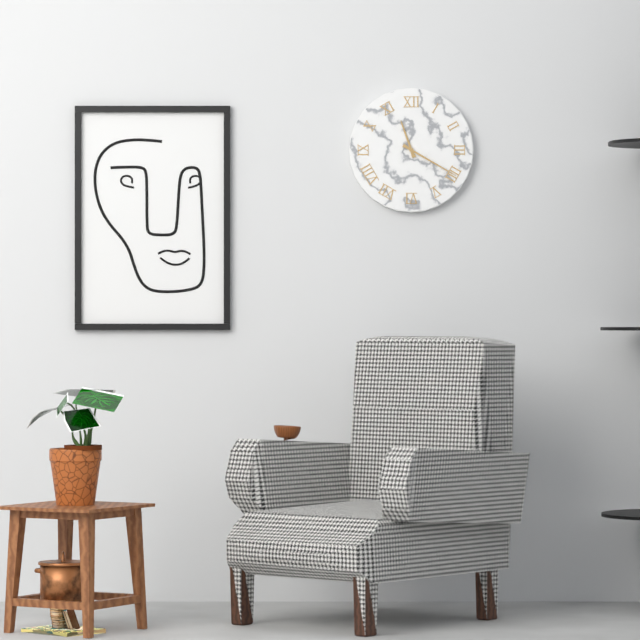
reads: 11,20
